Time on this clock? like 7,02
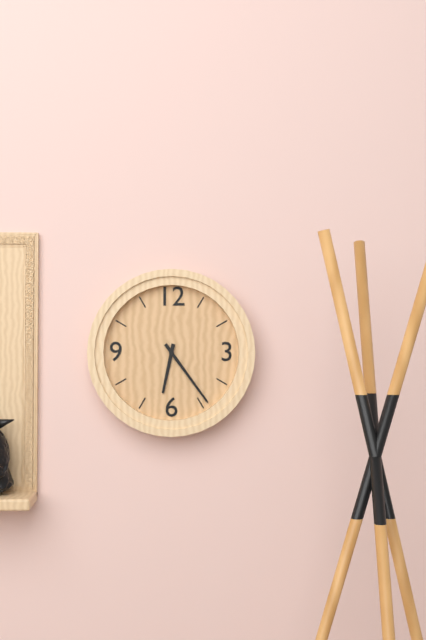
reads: 6,24
